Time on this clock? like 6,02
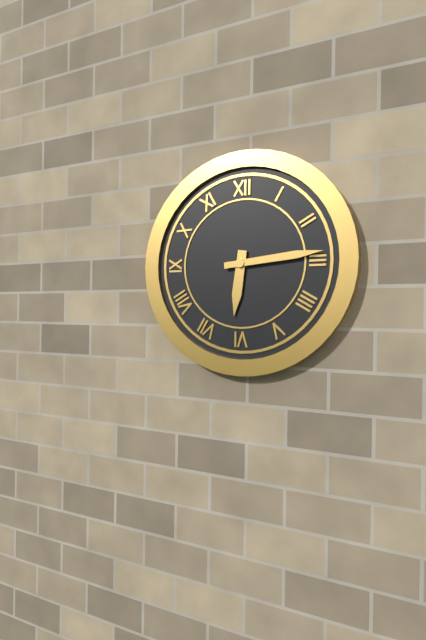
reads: 6,14
